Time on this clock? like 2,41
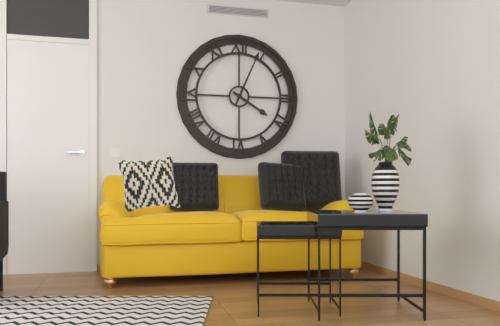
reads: 4,04
